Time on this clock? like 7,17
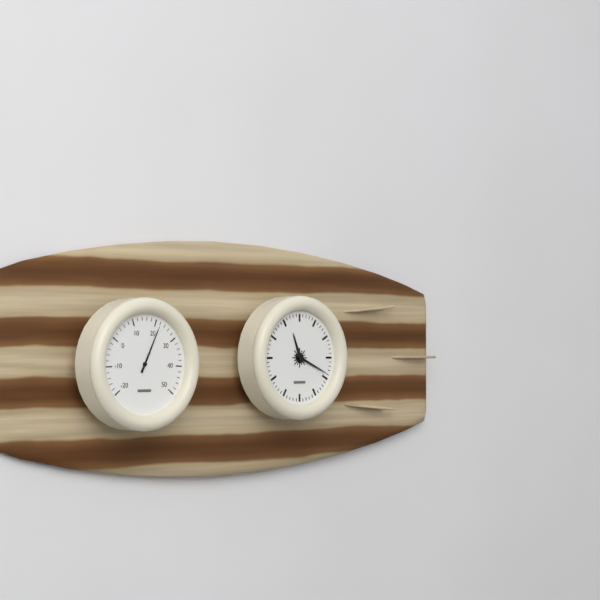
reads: 11,19
